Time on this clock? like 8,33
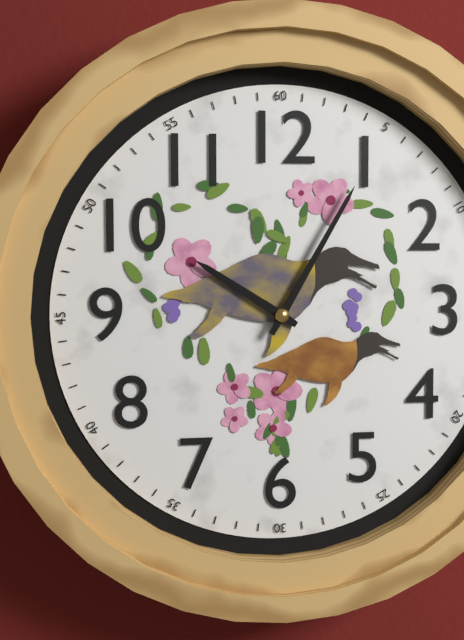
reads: 10,05
